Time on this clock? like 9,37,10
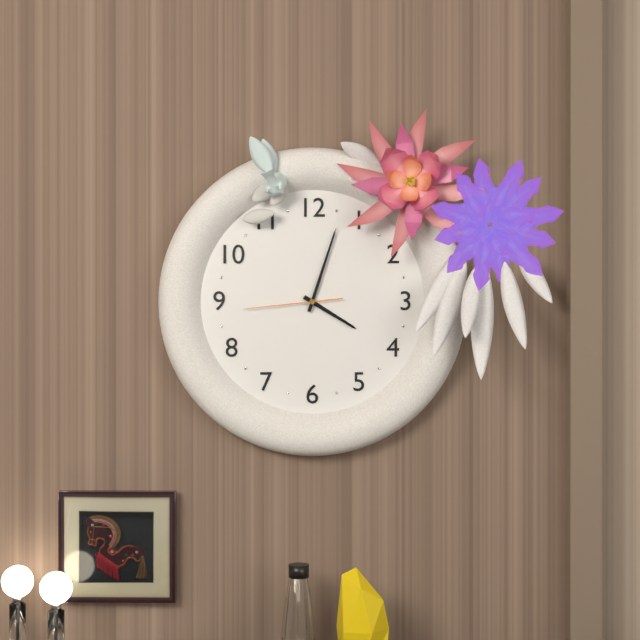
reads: 4,03,44
